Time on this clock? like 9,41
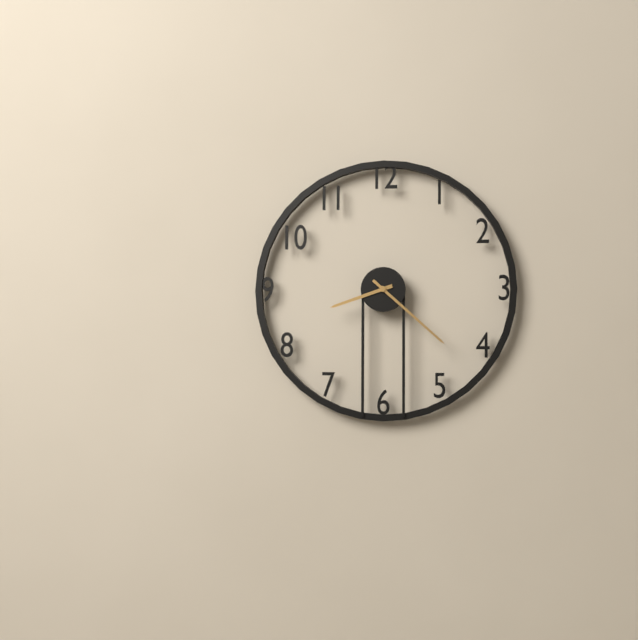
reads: 8,22
